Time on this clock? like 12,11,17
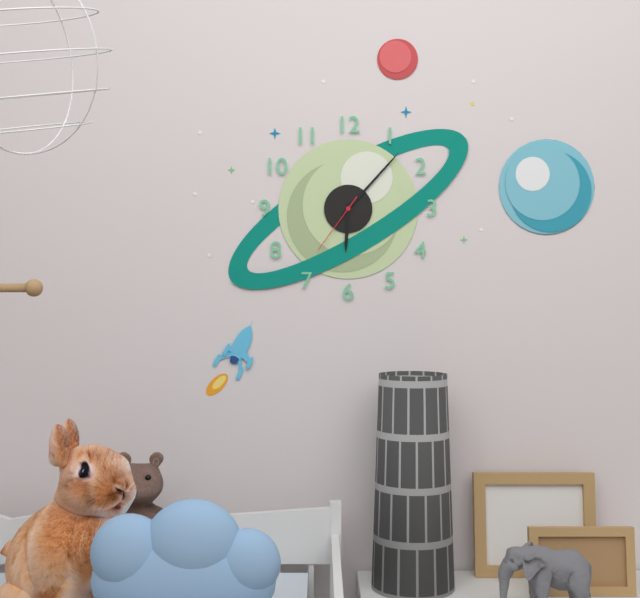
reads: 6,07,36
